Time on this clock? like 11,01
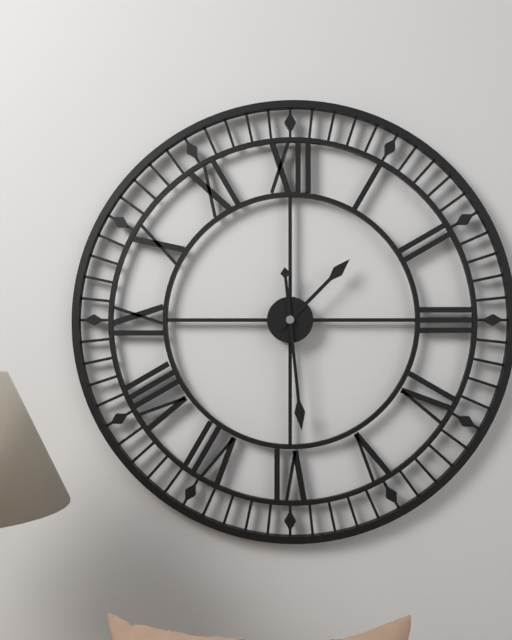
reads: 1,29
